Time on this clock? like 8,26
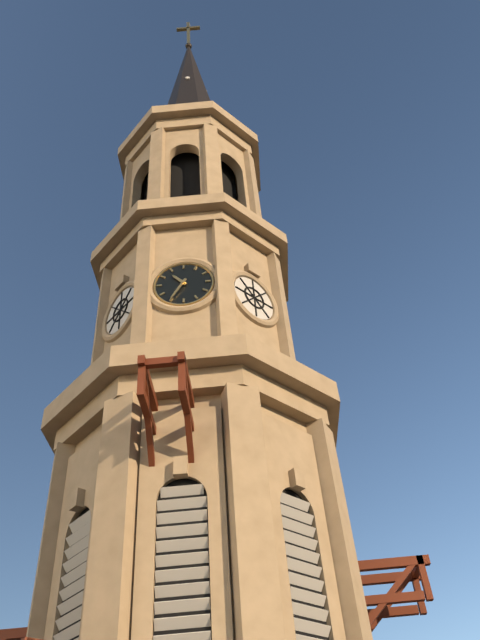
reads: 10,35
